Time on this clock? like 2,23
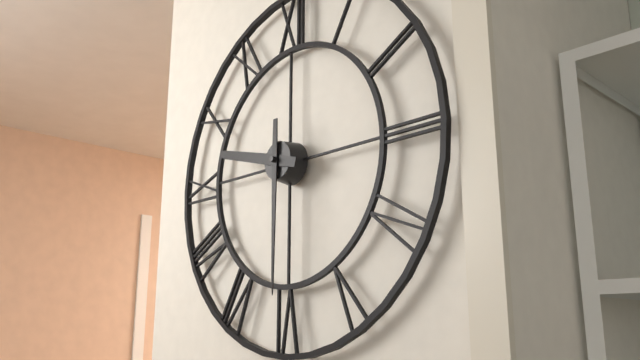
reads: 9,30
